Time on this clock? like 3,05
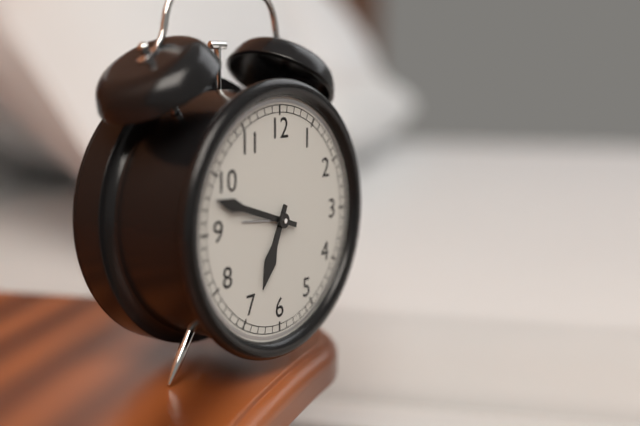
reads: 6,48
